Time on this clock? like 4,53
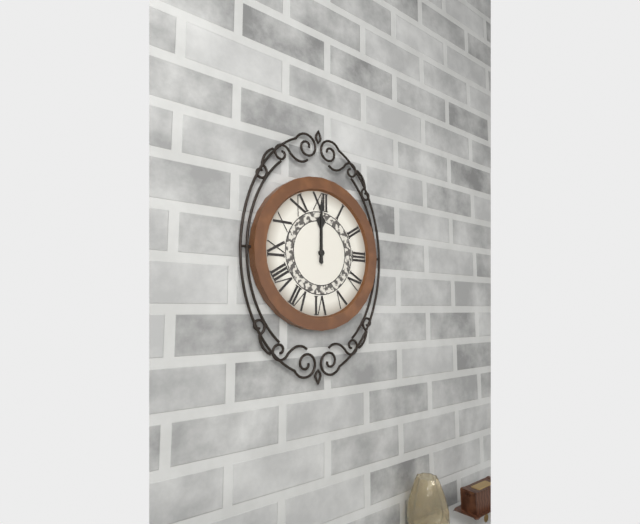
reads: 12,00
